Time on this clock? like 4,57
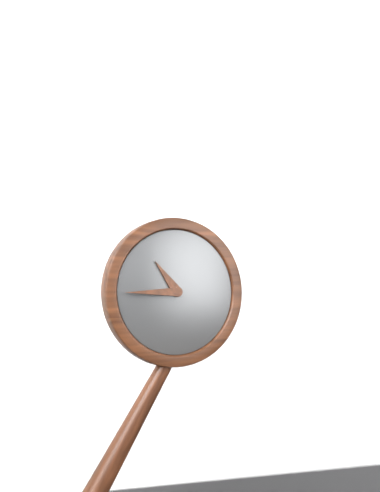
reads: 10,45
